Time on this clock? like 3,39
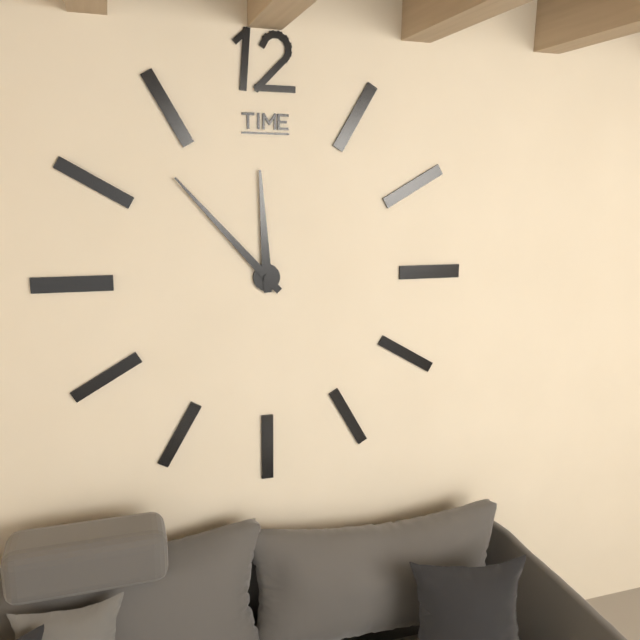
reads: 11,53
